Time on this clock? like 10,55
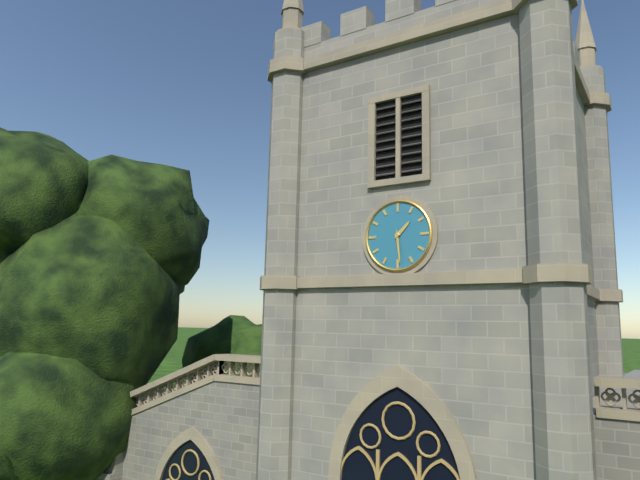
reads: 1,29
